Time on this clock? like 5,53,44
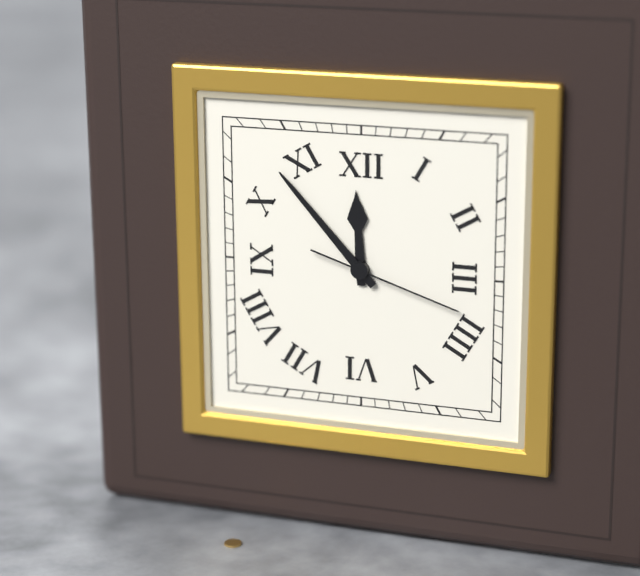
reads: 11,53,18
